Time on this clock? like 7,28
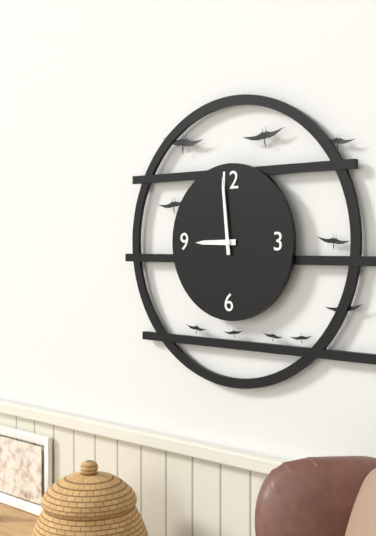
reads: 8,59
